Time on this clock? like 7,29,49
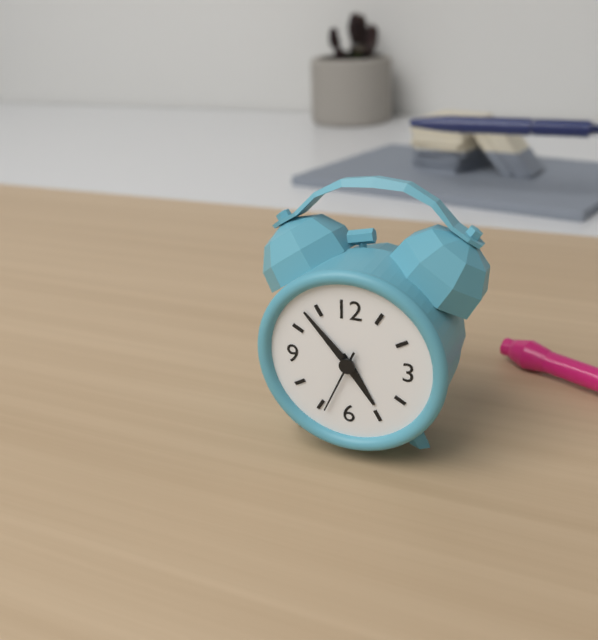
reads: 4,53,34
